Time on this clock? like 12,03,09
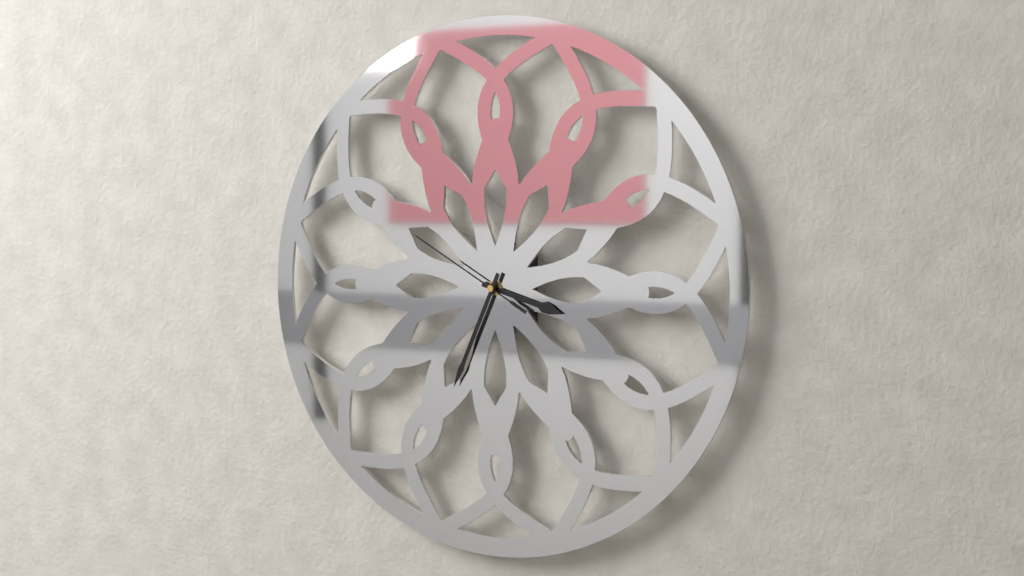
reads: 3,34,50
